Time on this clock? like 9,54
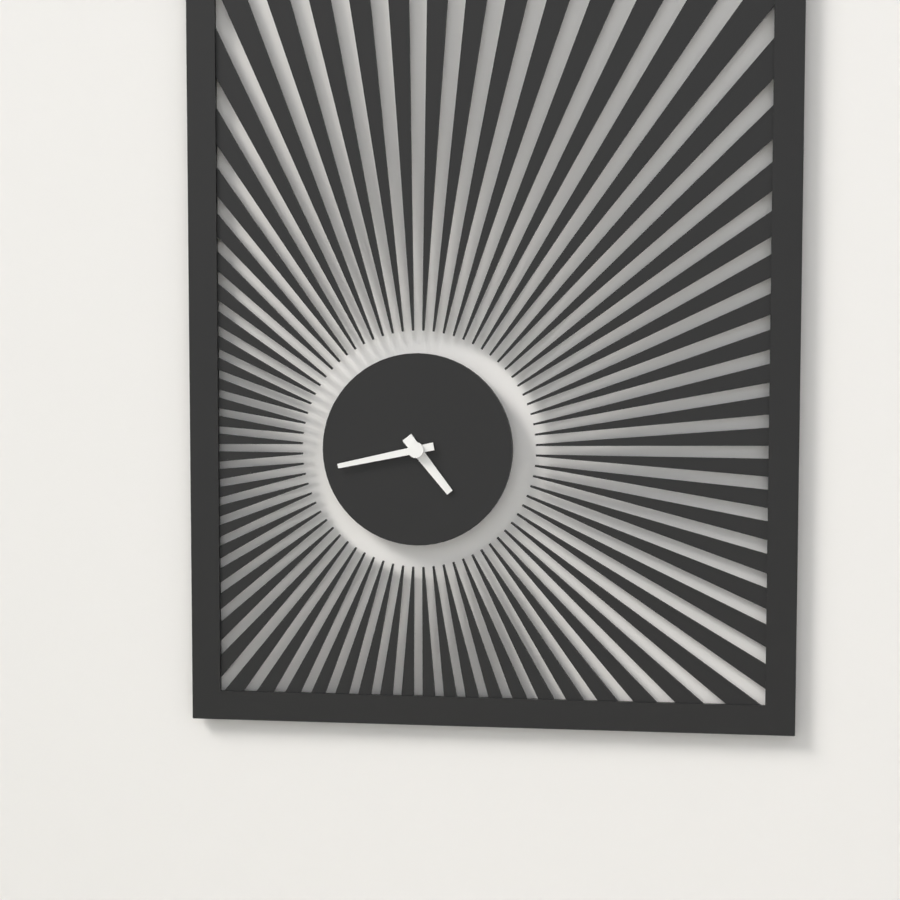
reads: 4,43
